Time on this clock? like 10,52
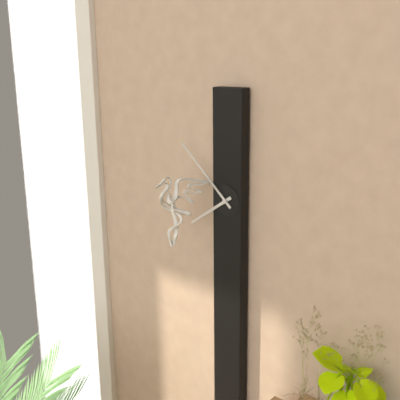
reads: 7,52
